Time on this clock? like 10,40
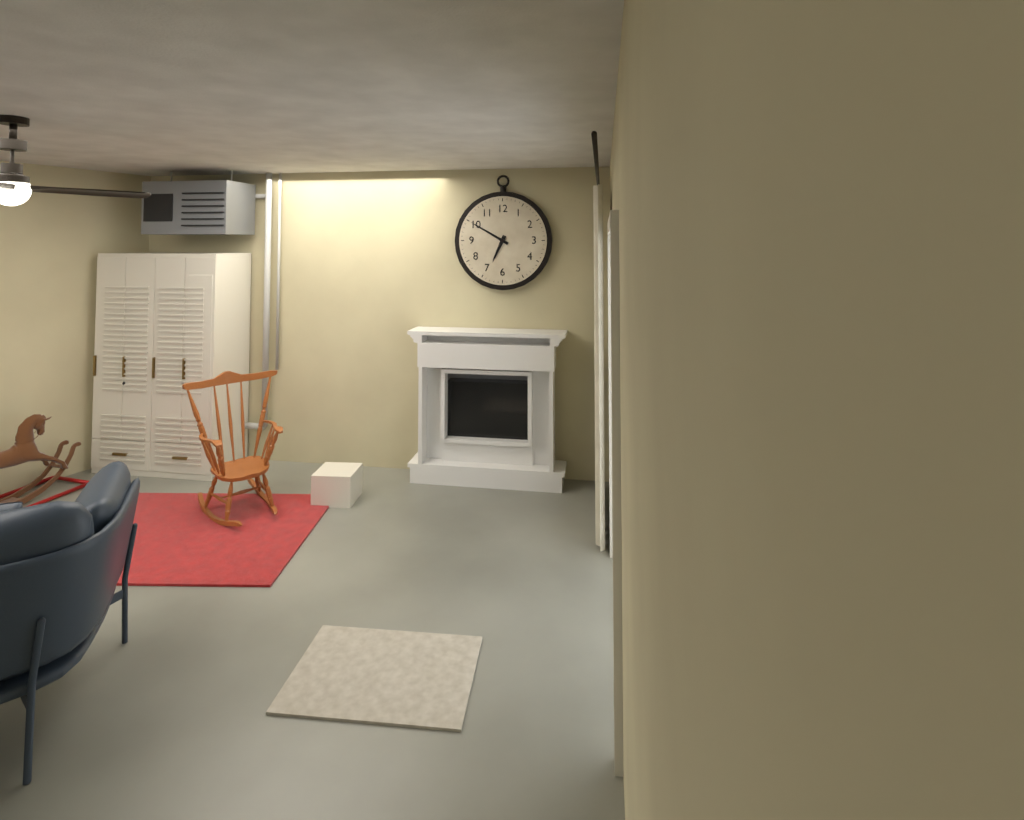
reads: 6,50
